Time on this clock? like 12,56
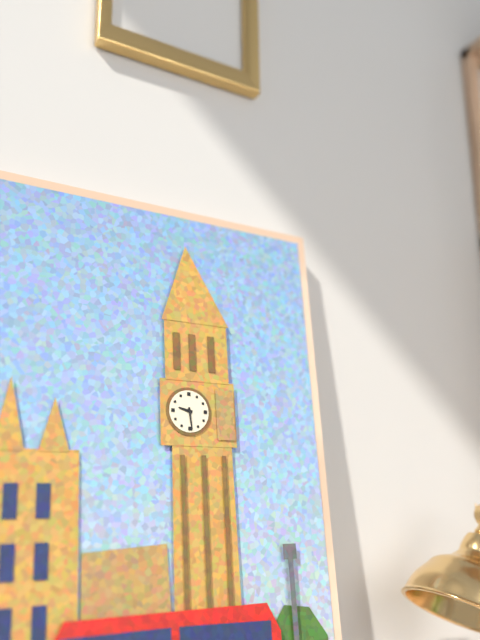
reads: 9,29
